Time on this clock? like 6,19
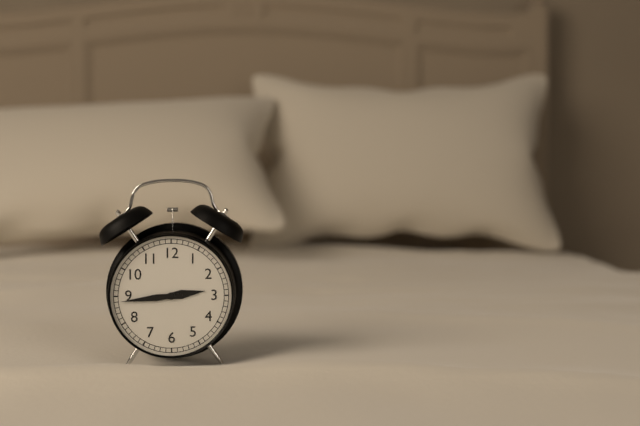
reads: 2,44
